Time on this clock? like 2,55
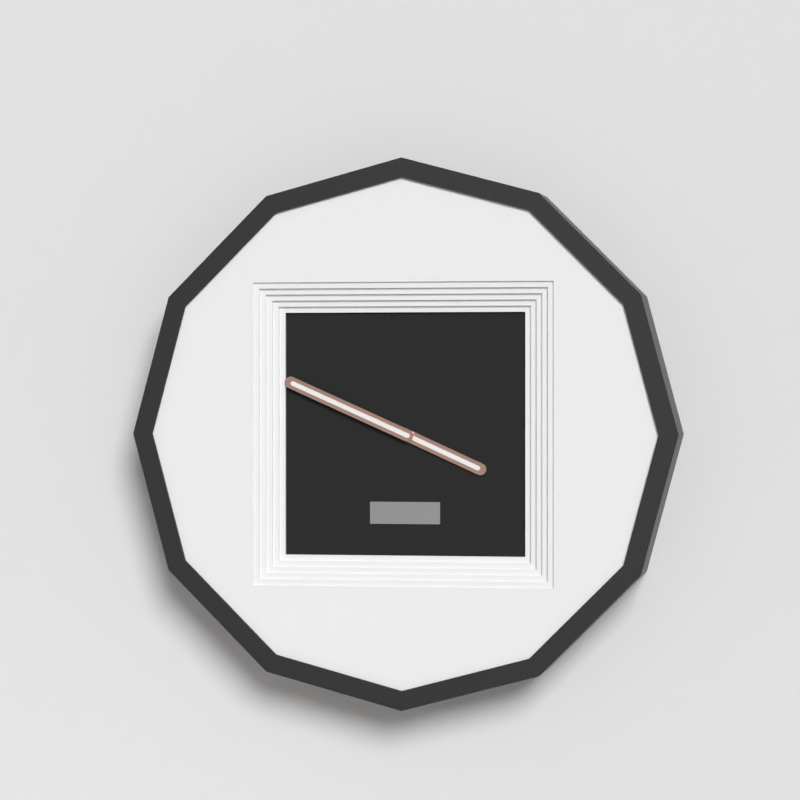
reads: 3,49
